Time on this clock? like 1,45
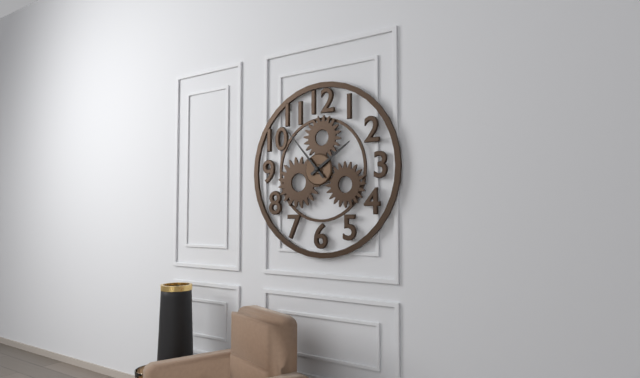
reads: 1,53
